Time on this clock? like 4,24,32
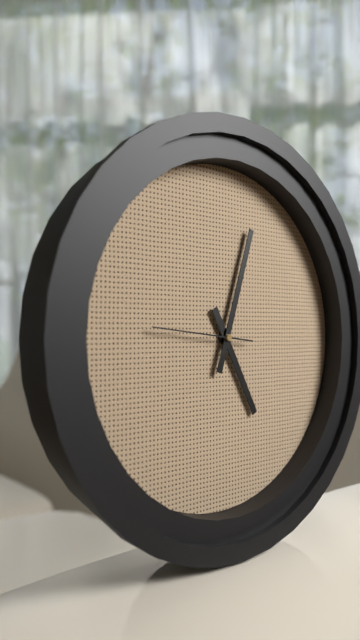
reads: 5,03,46
